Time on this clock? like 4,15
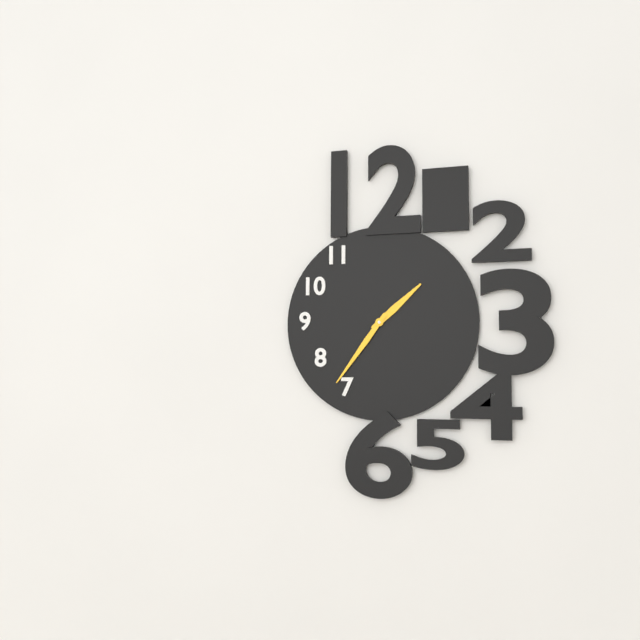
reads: 1,36
